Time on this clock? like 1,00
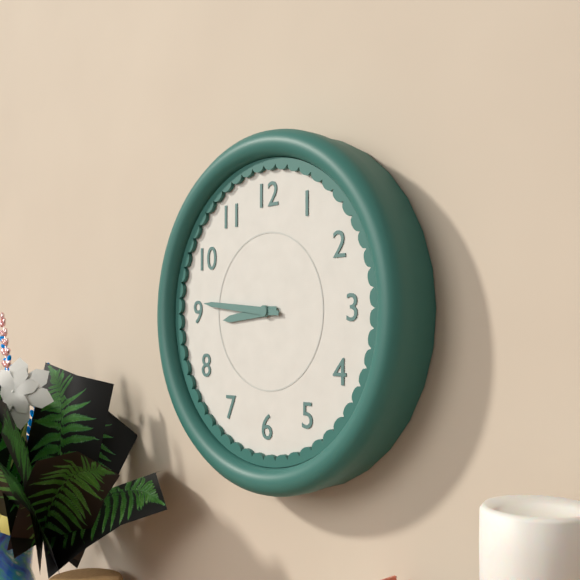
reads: 8,46
